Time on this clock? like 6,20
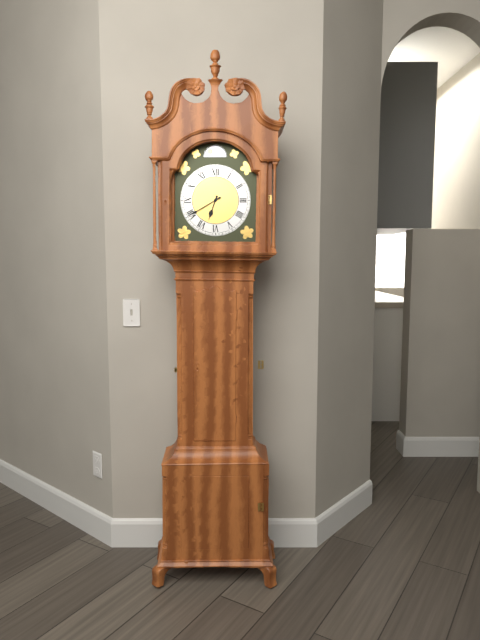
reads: 6,40
